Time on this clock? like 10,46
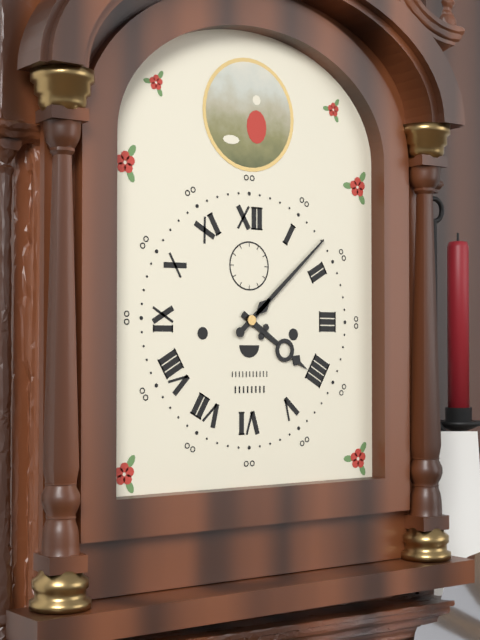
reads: 4,08
